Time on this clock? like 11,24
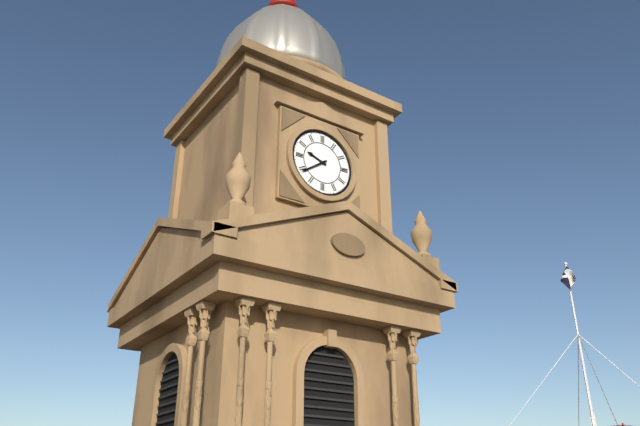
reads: 9,39
